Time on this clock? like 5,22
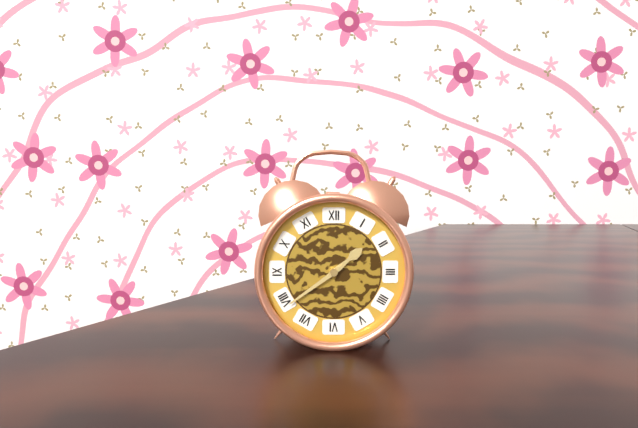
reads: 1,39
